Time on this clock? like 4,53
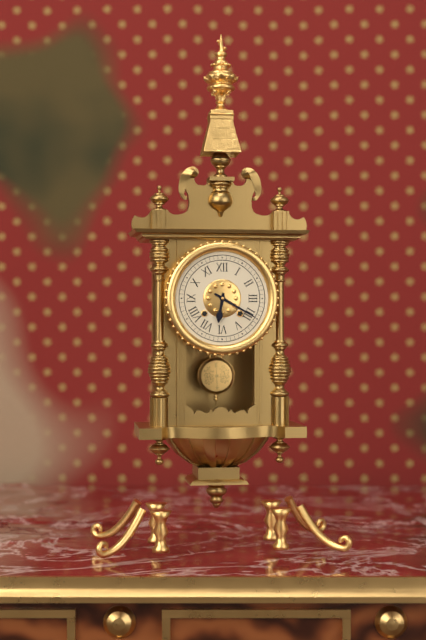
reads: 6,20
